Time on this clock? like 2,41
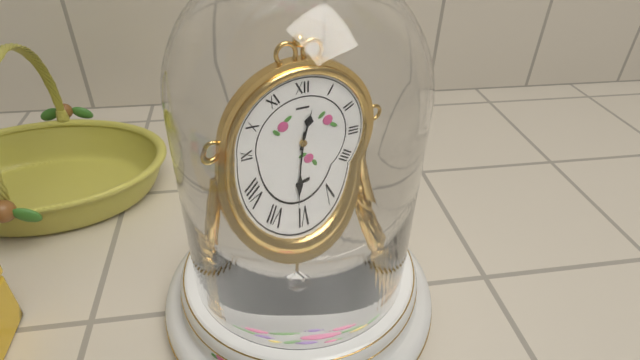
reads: 12,31
